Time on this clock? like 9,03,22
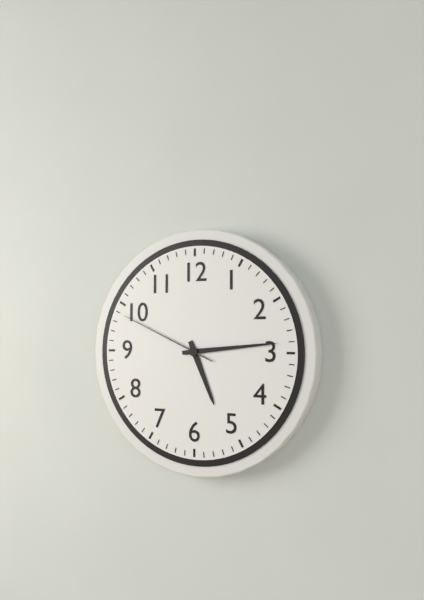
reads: 5,14,49
